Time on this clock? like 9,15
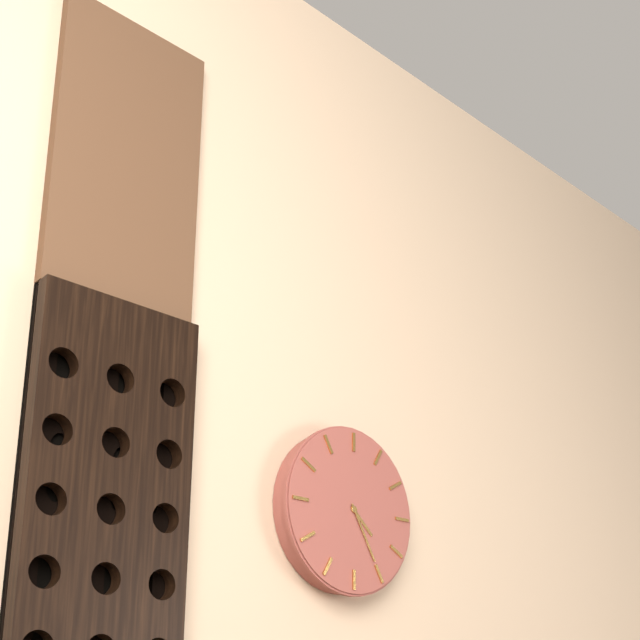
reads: 4,25
